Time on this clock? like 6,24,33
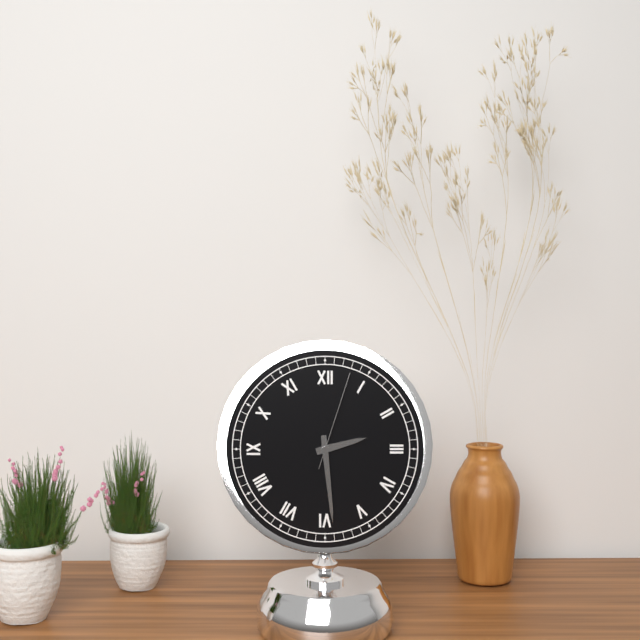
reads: 2,29,03
